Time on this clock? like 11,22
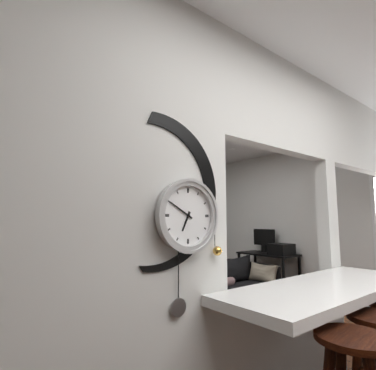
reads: 6,50
